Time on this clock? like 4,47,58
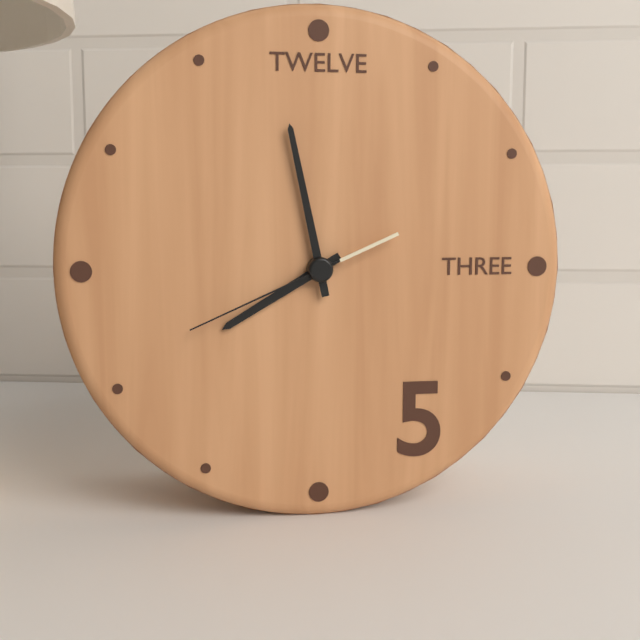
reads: 7,58,41
